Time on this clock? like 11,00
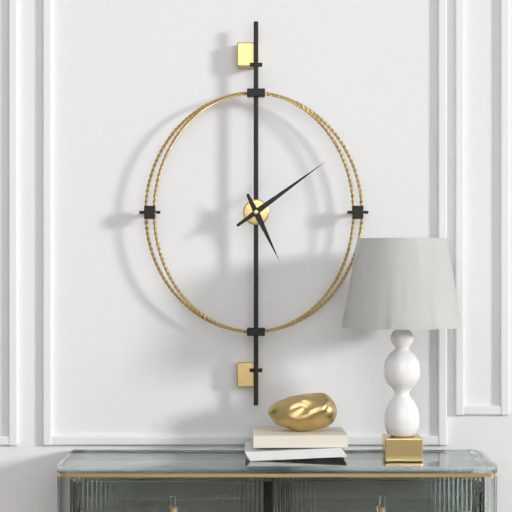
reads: 5,09
